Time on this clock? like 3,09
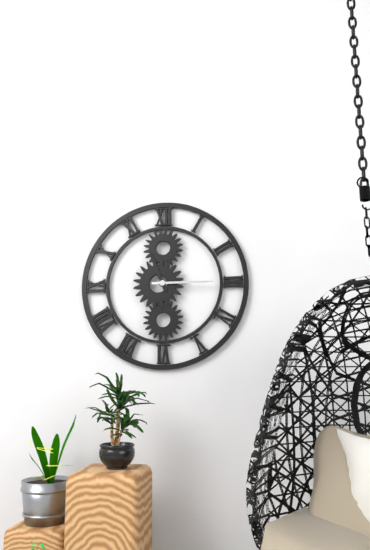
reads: 11,15
